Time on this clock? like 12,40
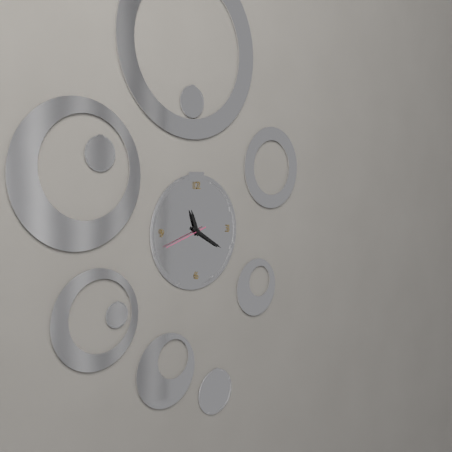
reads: 11,20
